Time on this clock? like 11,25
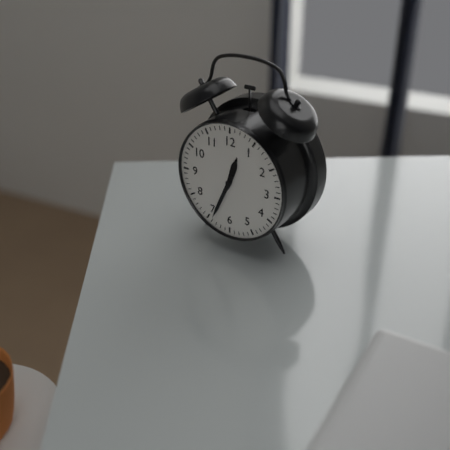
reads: 12,34
